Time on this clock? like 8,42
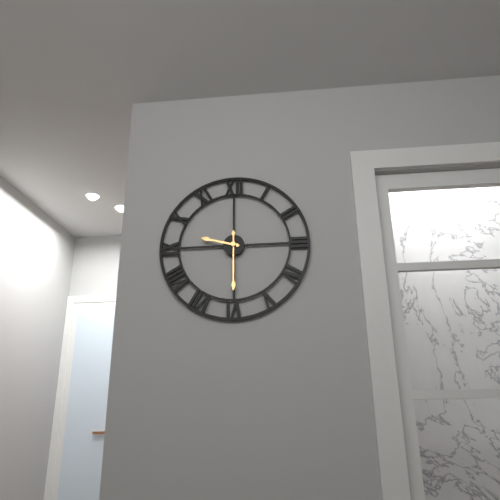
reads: 9,30
